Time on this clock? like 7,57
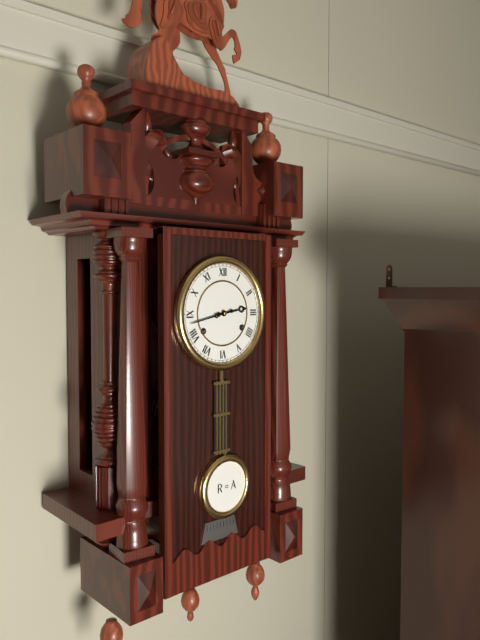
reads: 2,43
